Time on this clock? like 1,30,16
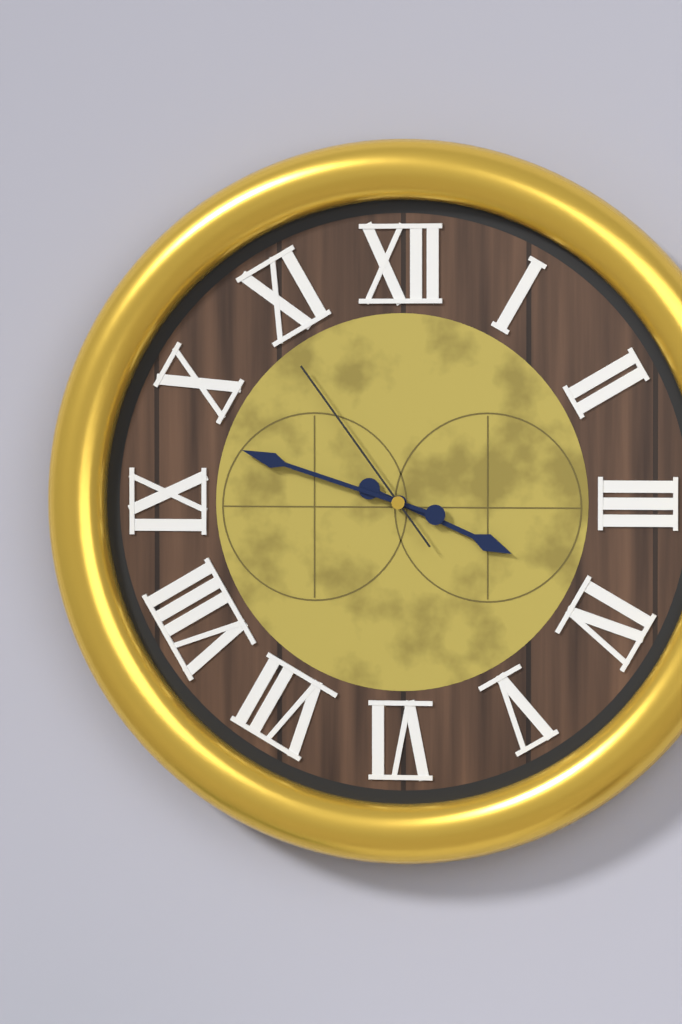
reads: 3,48,54
